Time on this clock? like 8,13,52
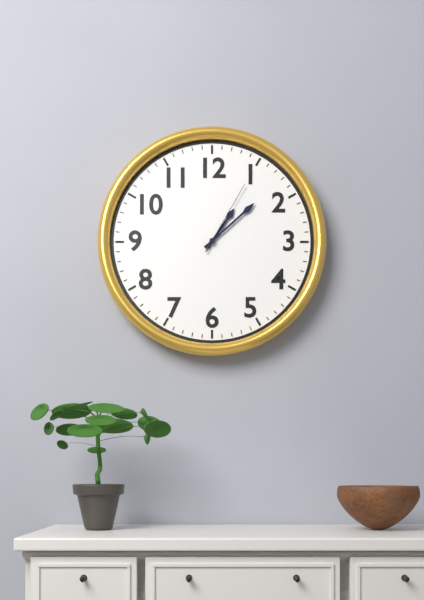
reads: 1,08,05
